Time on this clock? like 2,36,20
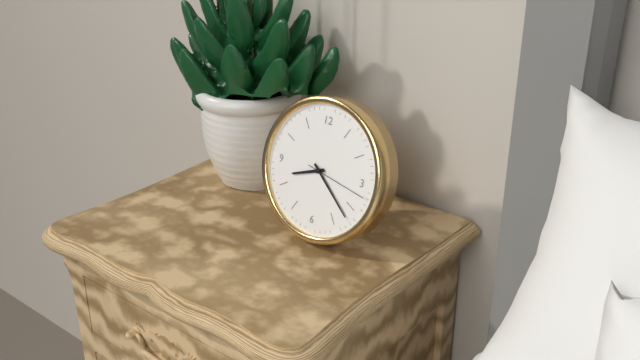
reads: 8,22,17
